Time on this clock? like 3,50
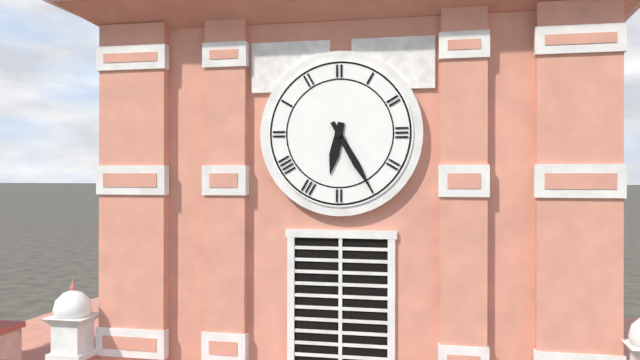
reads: 6,25
